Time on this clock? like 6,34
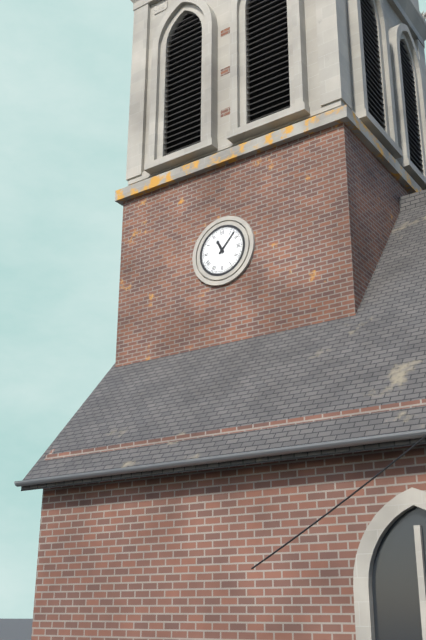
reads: 11,07
